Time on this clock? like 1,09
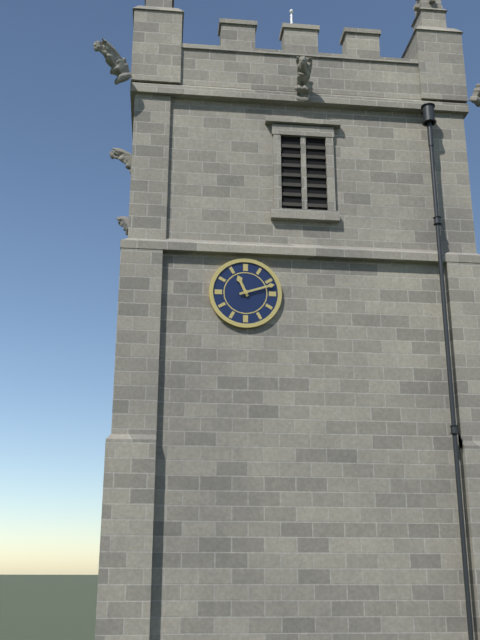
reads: 11,12
